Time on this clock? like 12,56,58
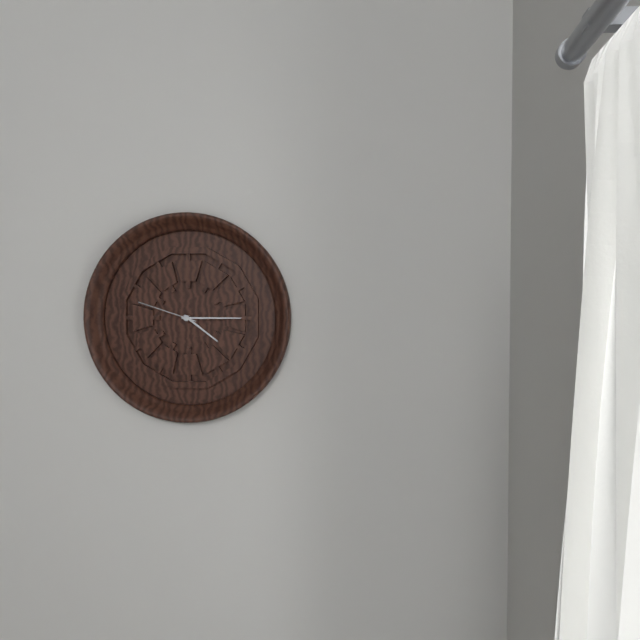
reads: 4,15,48
